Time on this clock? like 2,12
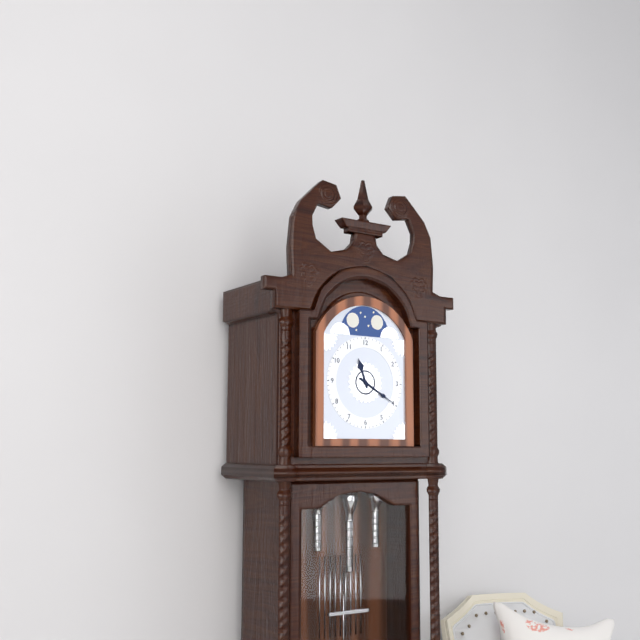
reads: 11,20
